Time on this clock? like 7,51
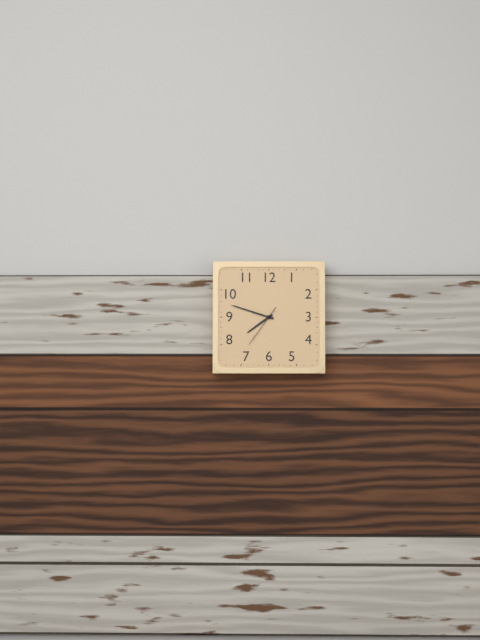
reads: 7,48
